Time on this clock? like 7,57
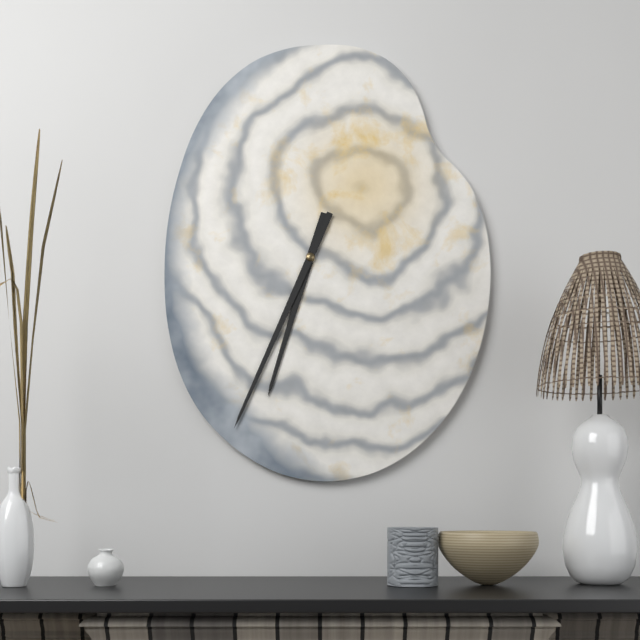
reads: 6,34
